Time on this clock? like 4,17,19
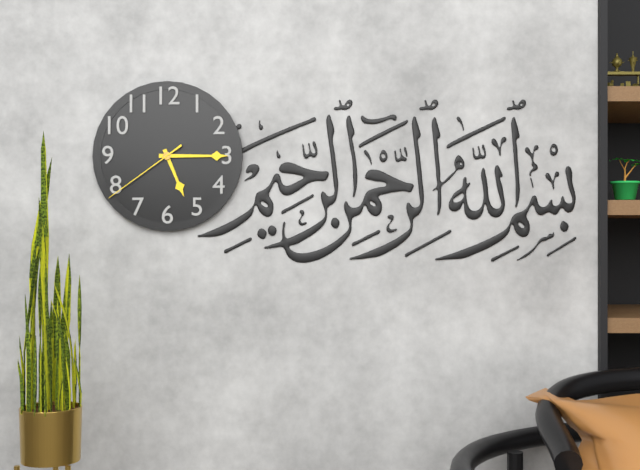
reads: 5,15,39
